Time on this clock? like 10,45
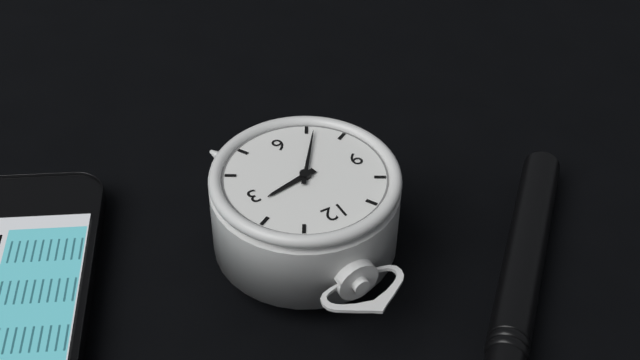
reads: 2,36
